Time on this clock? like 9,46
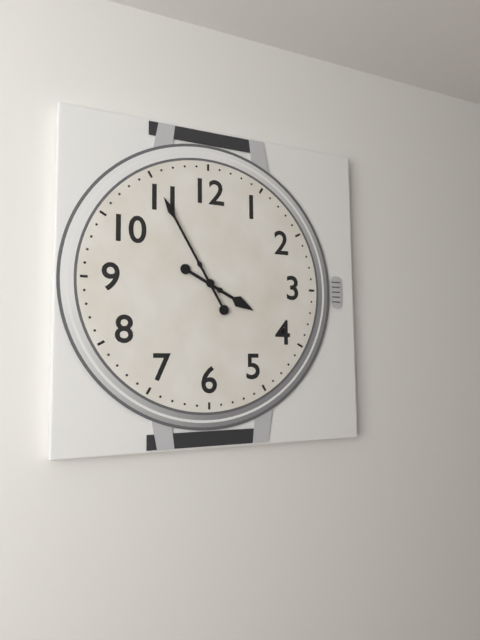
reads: 3,55
